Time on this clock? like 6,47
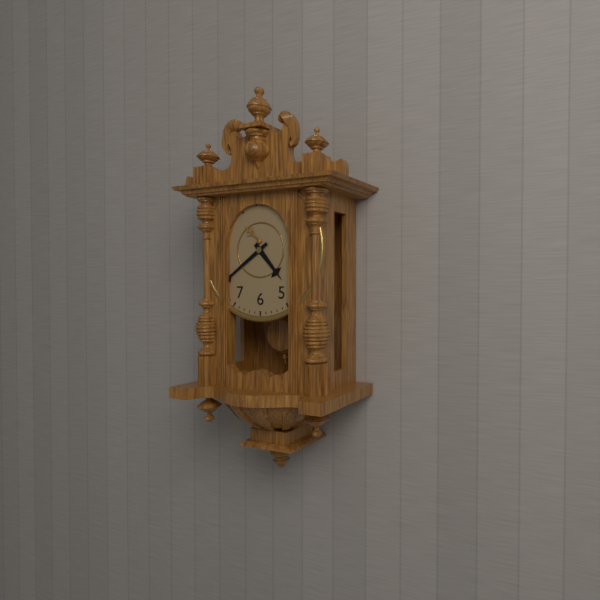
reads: 4,39
